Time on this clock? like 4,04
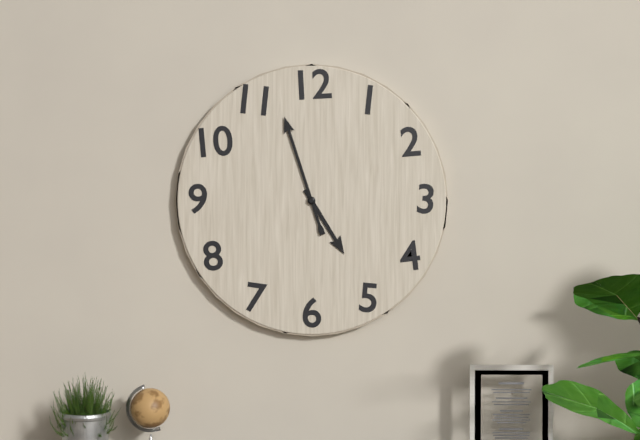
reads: 4,57
